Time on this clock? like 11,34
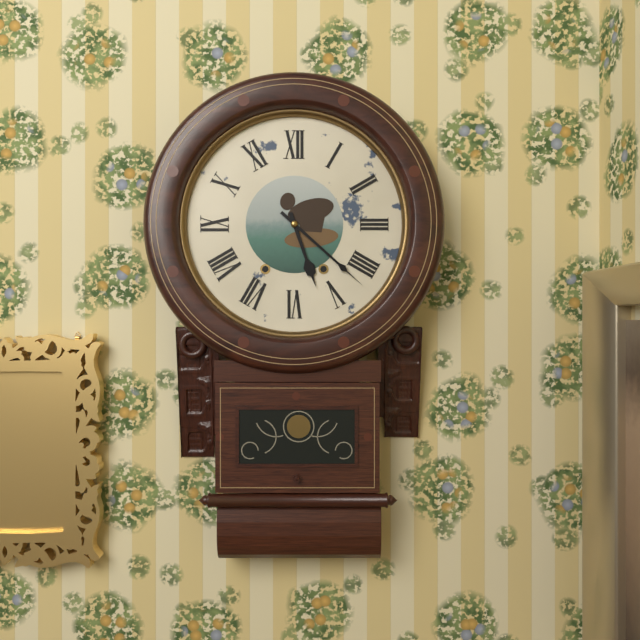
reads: 5,22
